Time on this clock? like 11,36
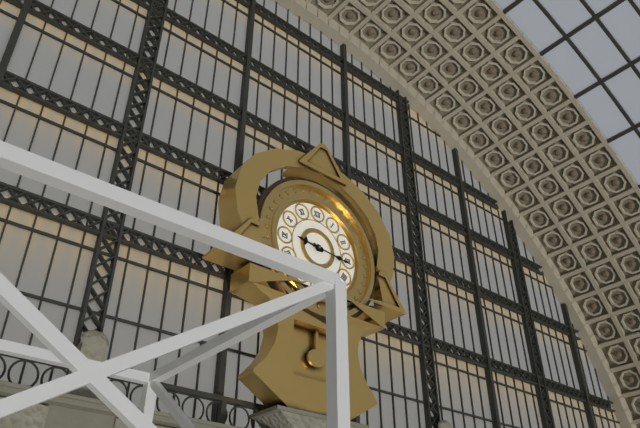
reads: 9,16
